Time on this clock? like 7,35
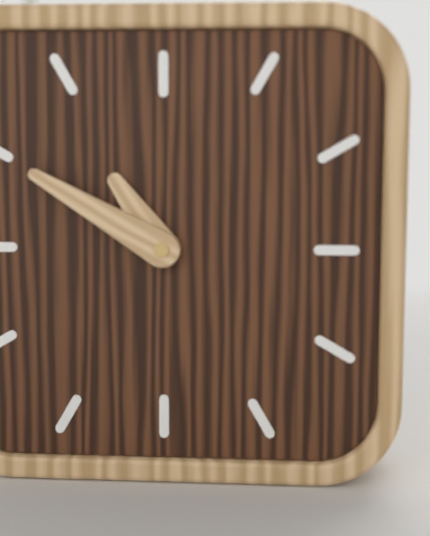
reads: 10,50
